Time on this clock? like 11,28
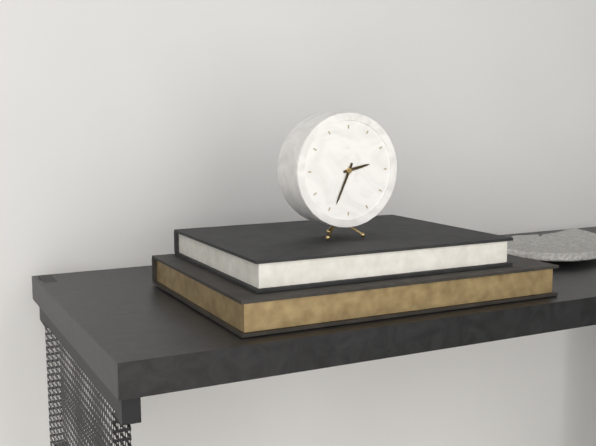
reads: 2,34
